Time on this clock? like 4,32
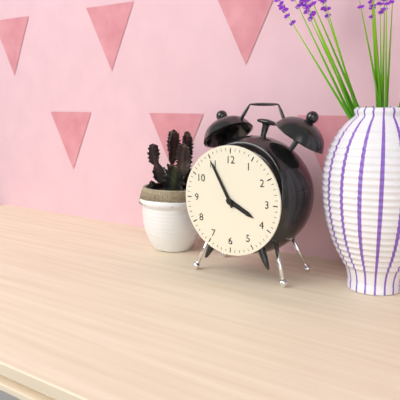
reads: 3,55
